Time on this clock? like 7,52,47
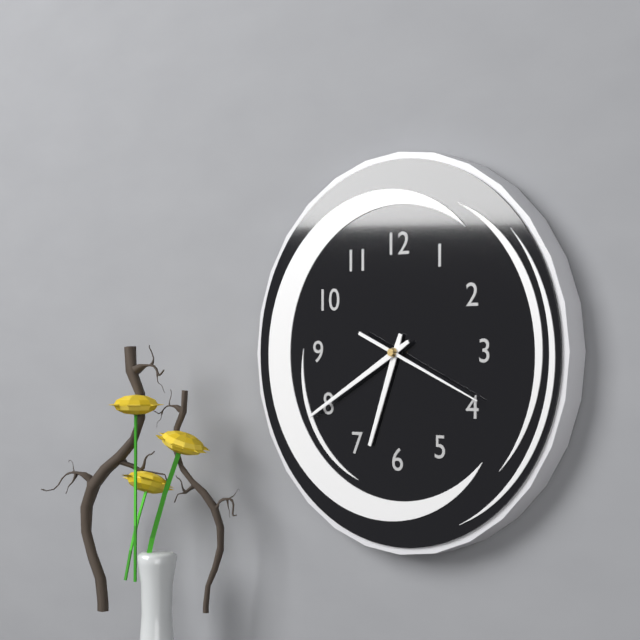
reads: 6,40,19
